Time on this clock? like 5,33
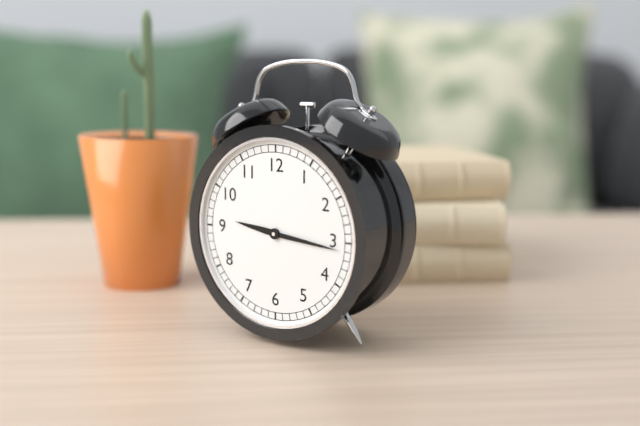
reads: 9,16
